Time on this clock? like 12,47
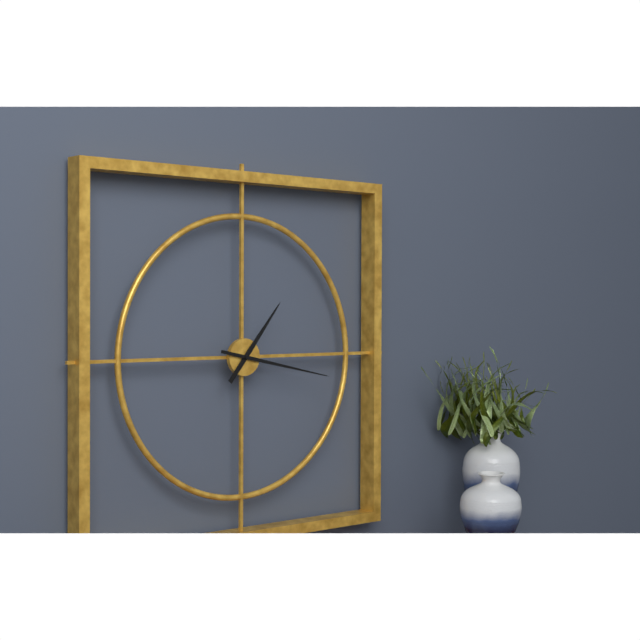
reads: 1,17
